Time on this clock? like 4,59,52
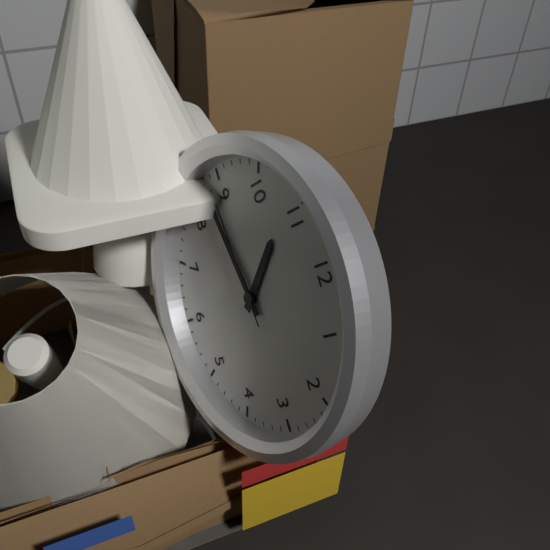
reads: 10,43,44
